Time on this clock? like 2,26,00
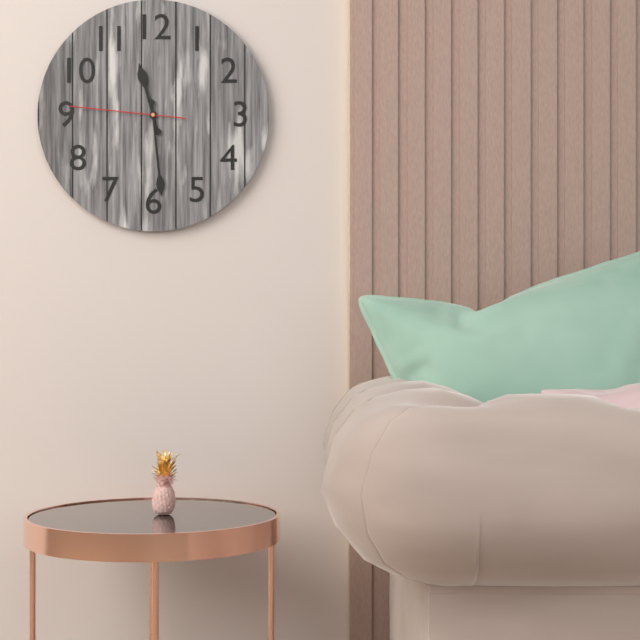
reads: 11,29,46
